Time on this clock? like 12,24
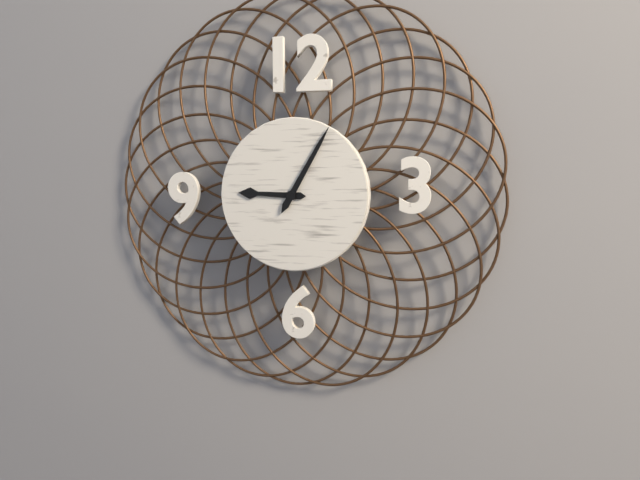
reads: 9,05
